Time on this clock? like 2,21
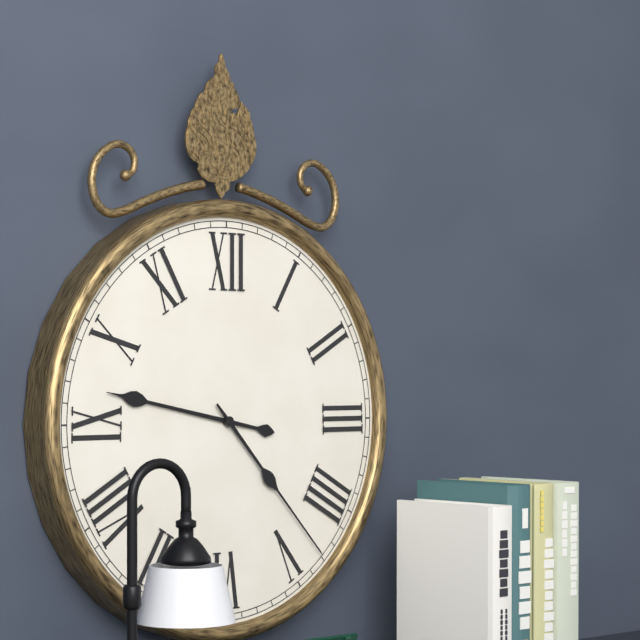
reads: 9,23
